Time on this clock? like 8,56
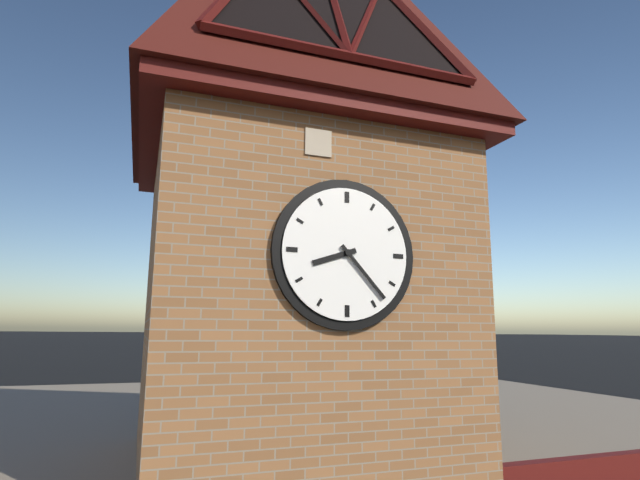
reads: 8,23
